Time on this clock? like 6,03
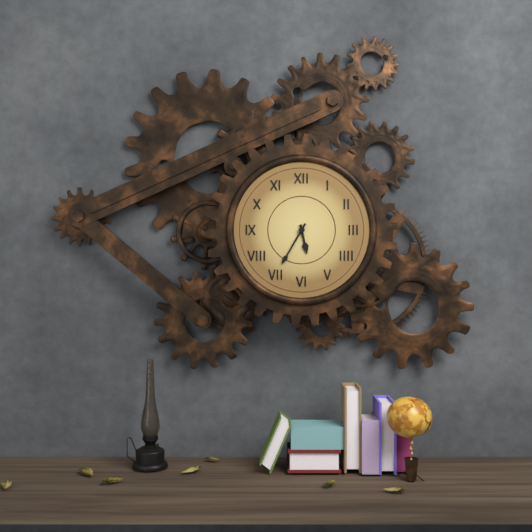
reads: 5,35
